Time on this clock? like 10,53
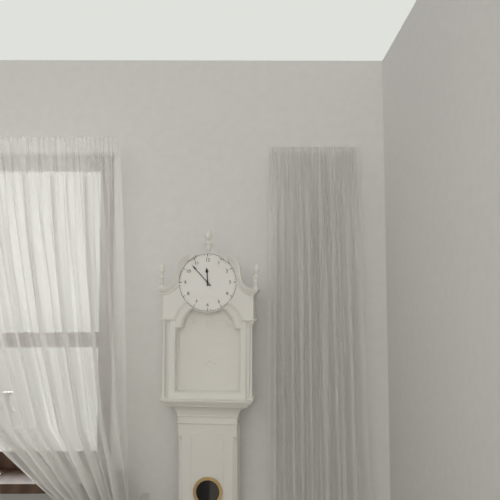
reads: 11,53
